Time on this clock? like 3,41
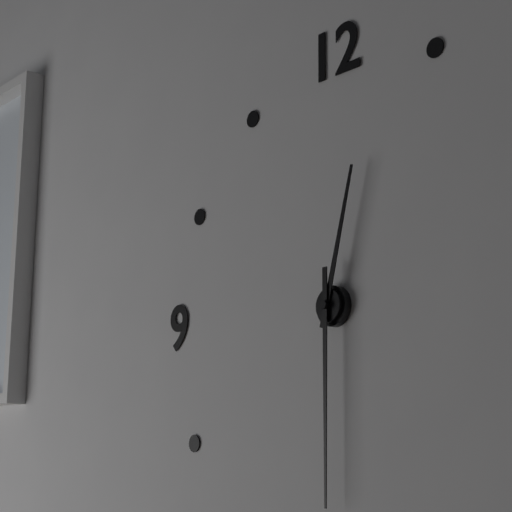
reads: 12,30
